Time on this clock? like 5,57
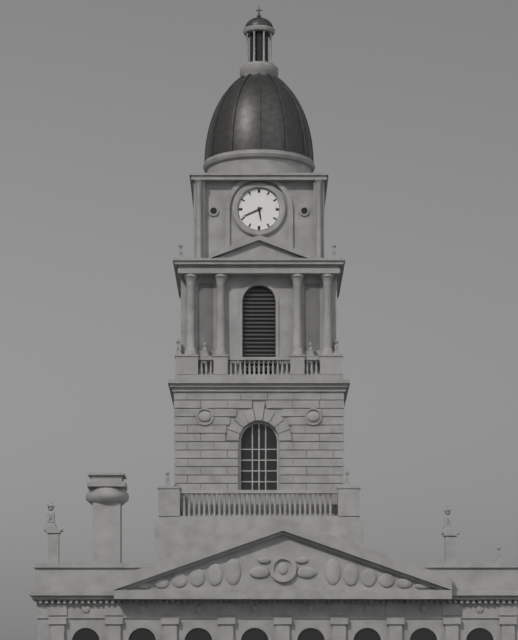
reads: 5,41
